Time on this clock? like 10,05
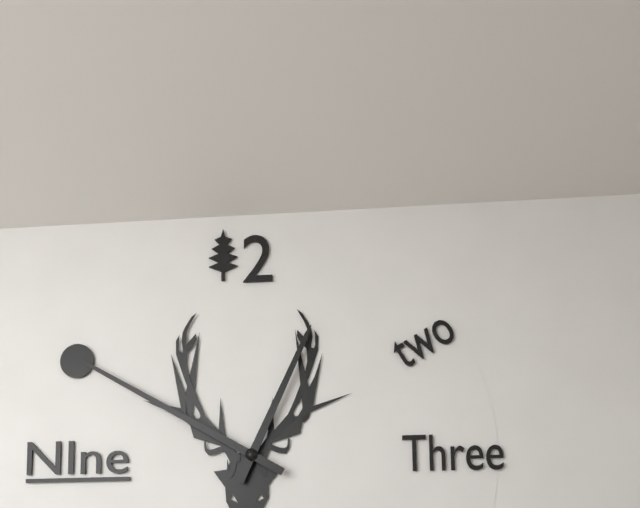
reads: 12,50
